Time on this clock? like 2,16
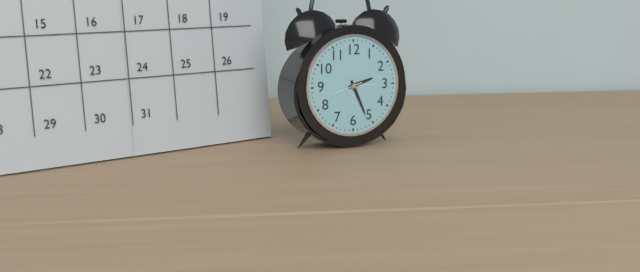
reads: 2,26
